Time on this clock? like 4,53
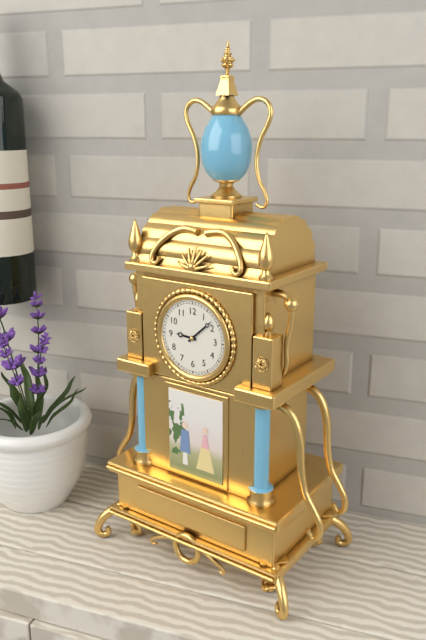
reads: 9,08
